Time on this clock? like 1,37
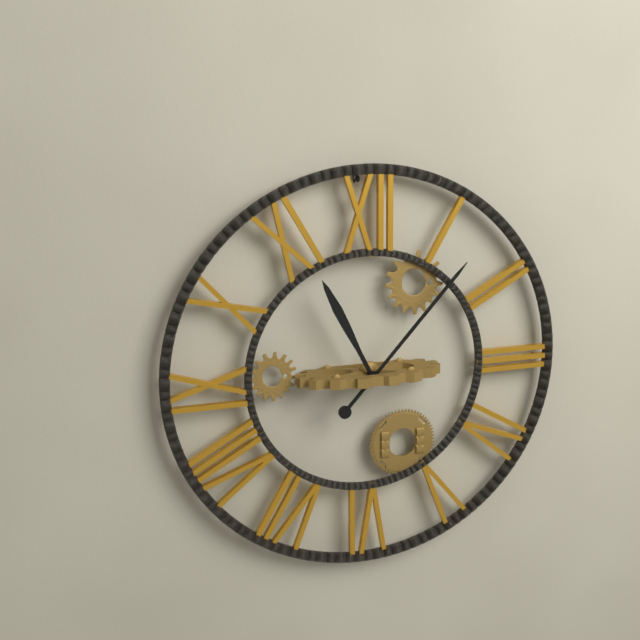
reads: 11,07
